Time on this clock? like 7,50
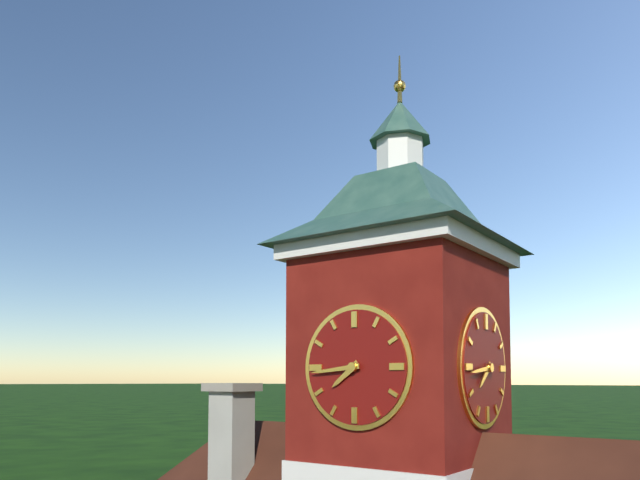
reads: 7,44
